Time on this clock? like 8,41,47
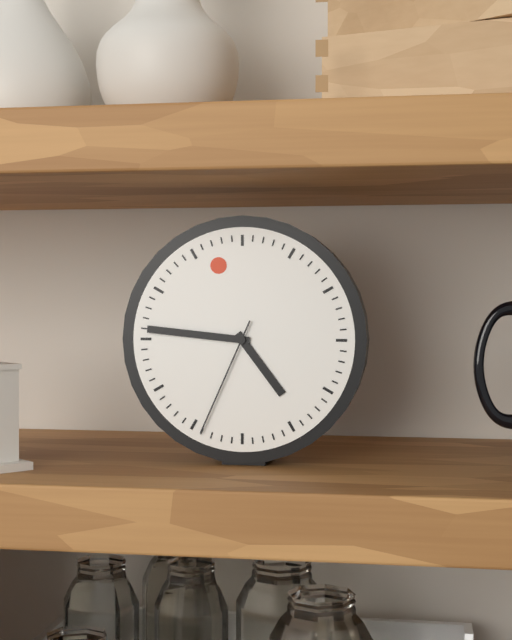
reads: 4,46,34
